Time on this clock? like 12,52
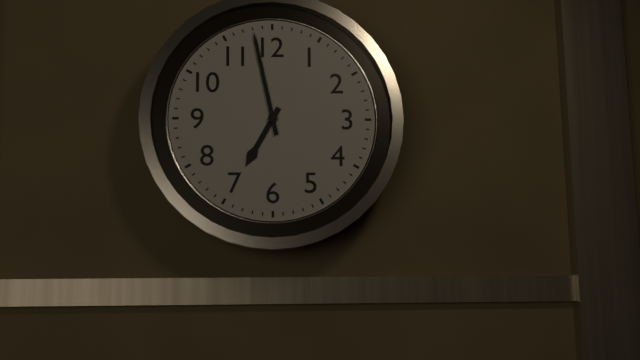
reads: 6,58
